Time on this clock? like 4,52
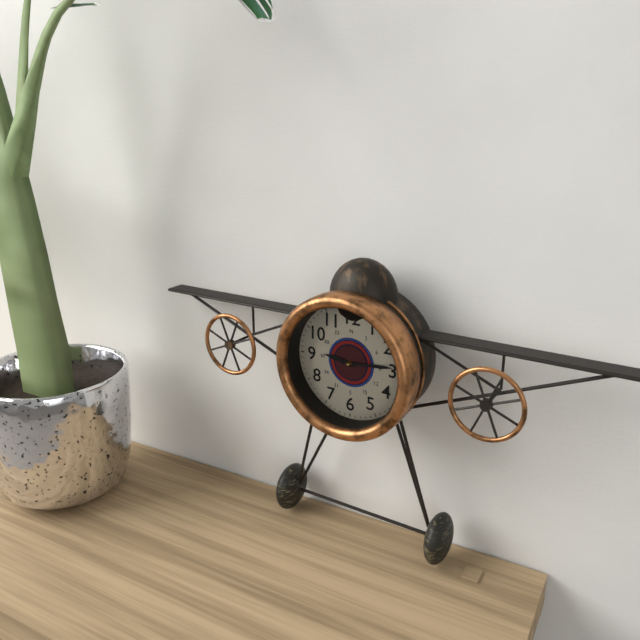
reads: 9,14
